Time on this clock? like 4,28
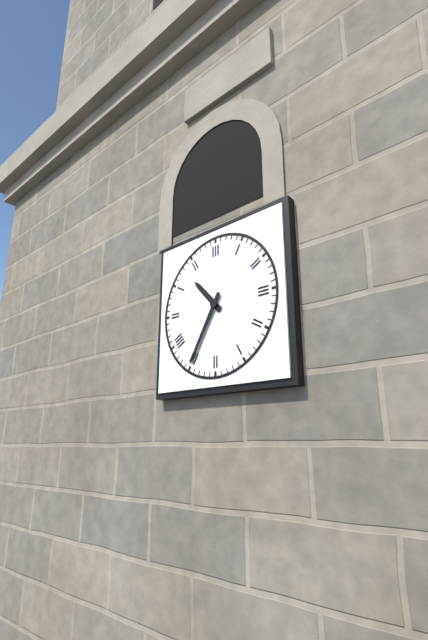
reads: 10,35
